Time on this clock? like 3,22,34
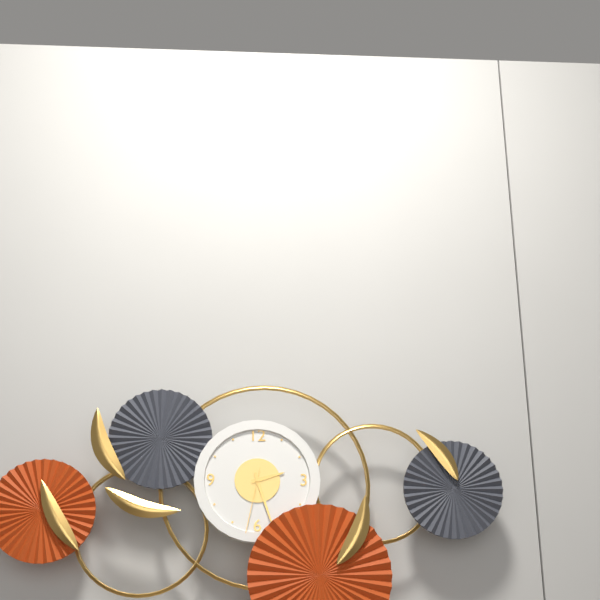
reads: 2,27,32
